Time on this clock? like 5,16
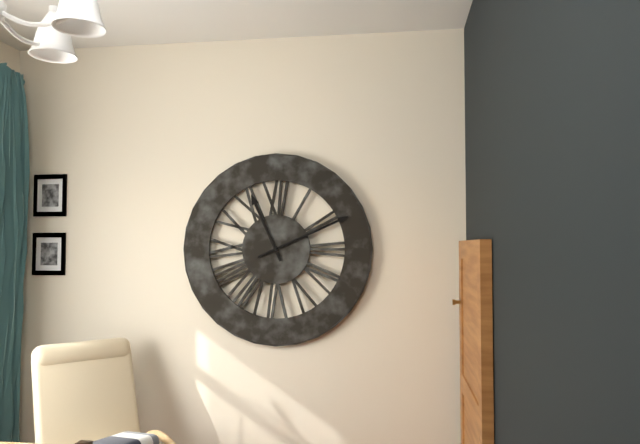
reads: 11,11
